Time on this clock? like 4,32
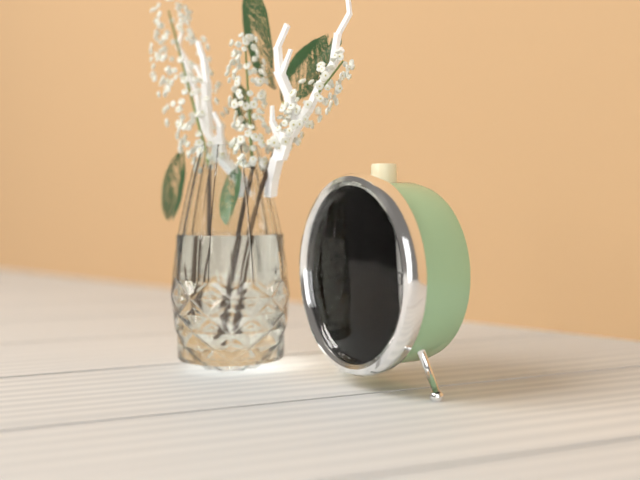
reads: 12,34
